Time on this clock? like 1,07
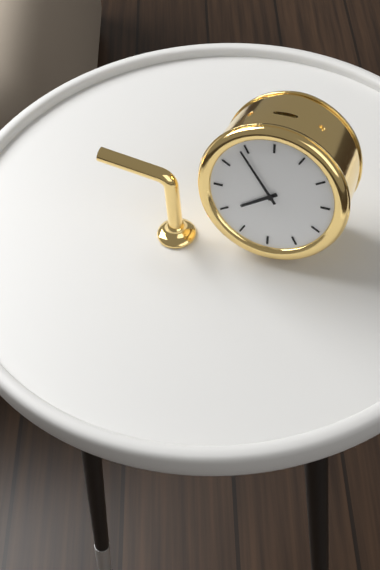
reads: 7,54
